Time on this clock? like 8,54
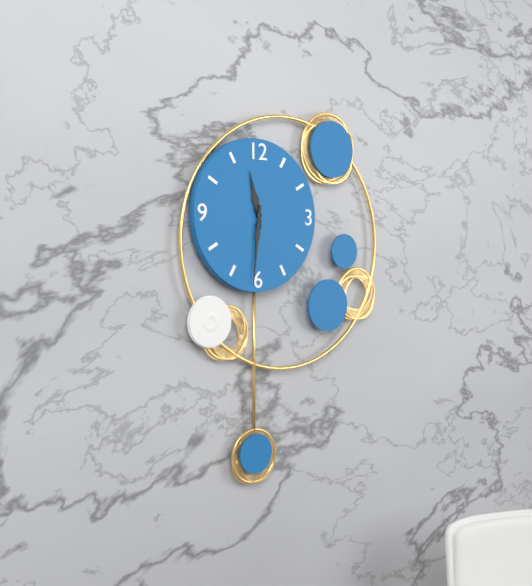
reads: 11,31
